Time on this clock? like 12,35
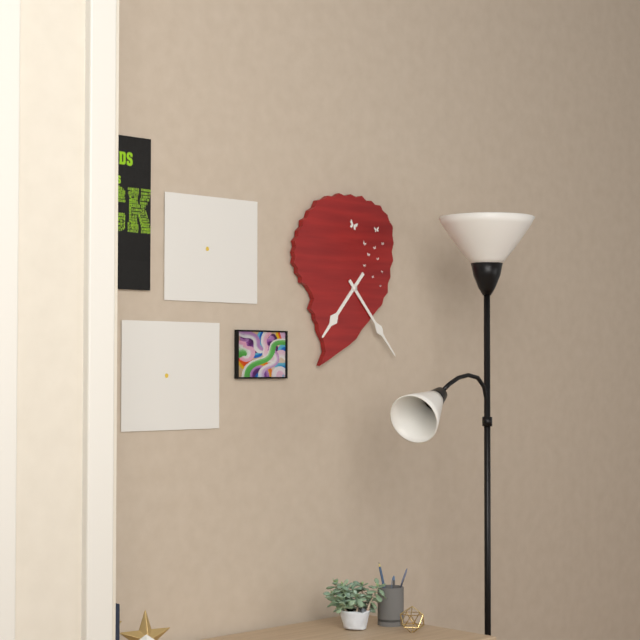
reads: 7,23
